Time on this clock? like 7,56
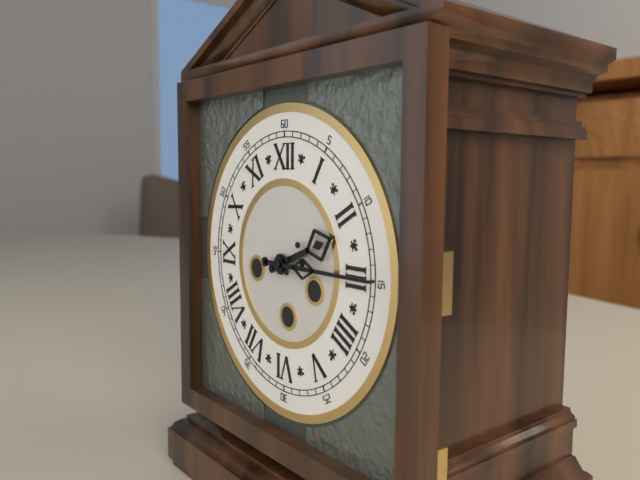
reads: 2,15
